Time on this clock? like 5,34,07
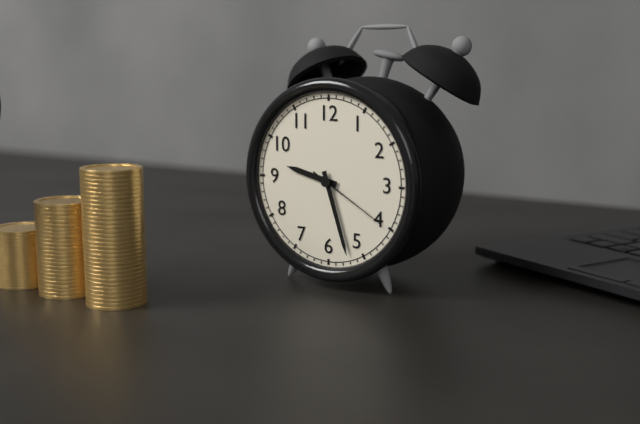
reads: 9,27,20
